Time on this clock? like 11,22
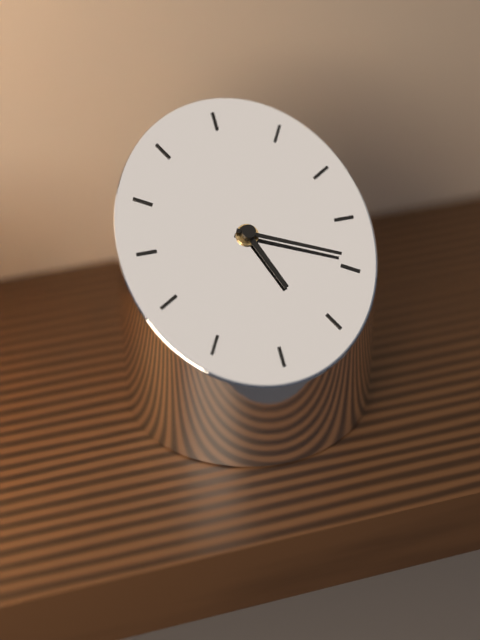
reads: 5,19
